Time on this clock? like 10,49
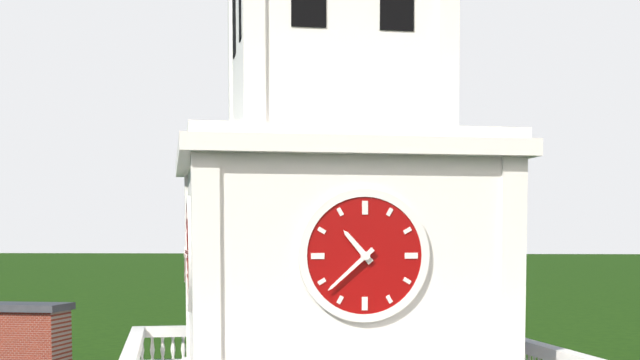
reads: 10,38
